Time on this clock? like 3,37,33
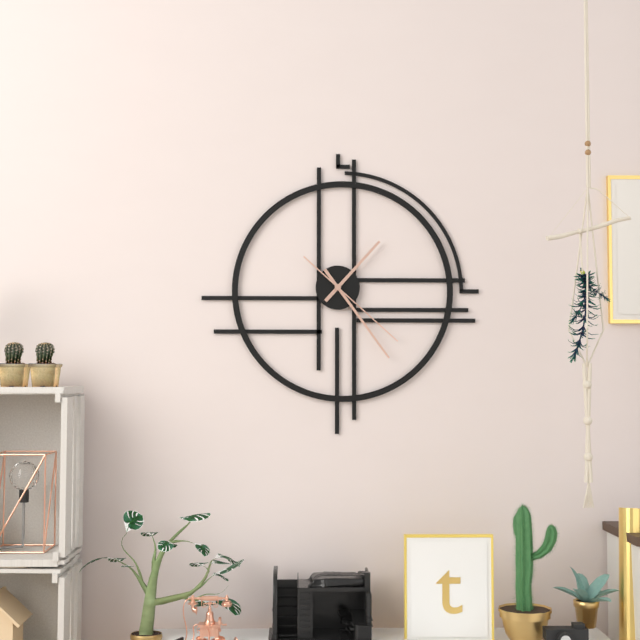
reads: 1,24,22
